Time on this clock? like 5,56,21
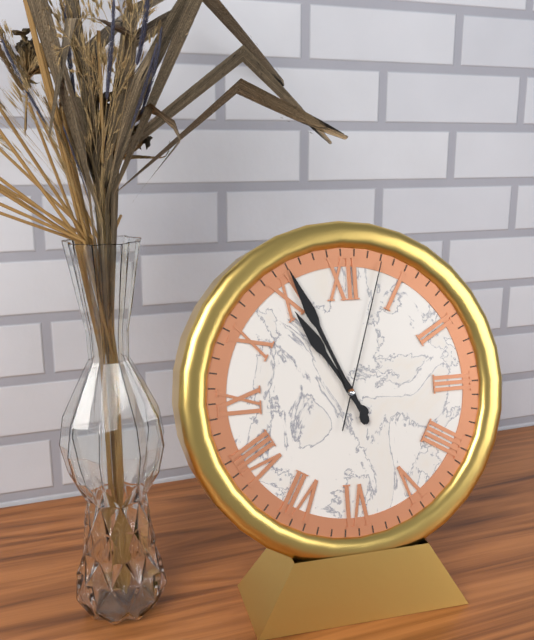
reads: 10,56,03
